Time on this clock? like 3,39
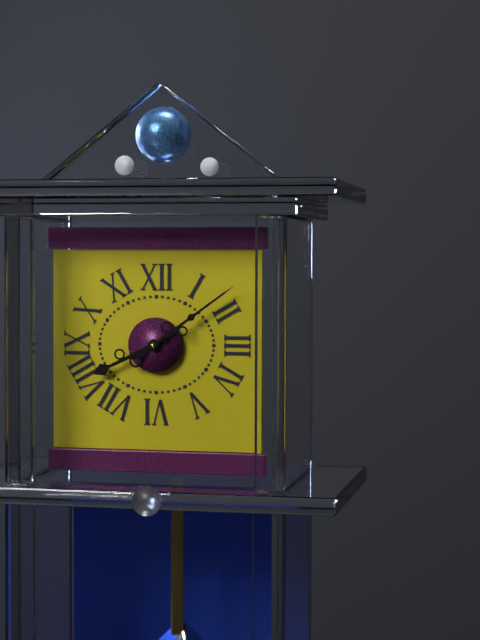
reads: 8,09
